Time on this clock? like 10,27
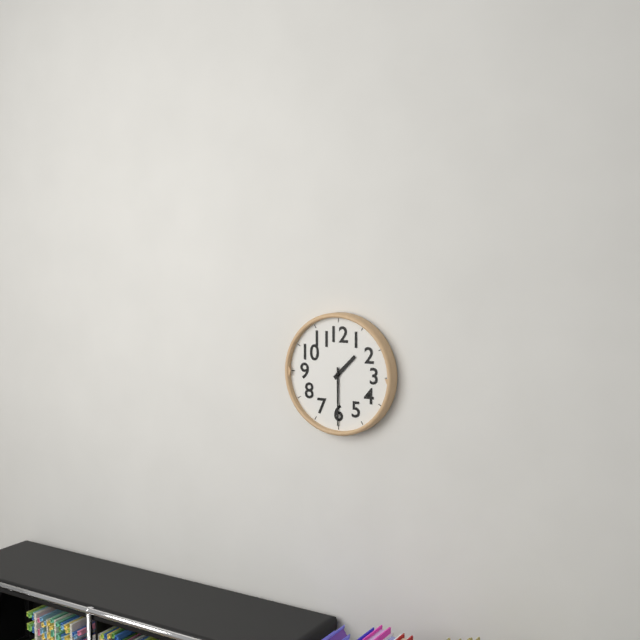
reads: 1,30
